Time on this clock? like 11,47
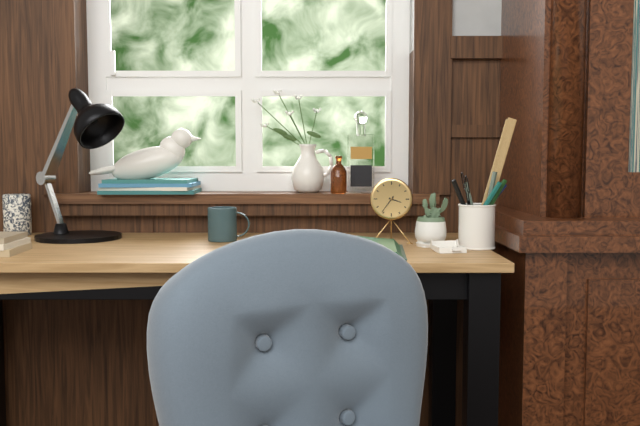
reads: 3,36
